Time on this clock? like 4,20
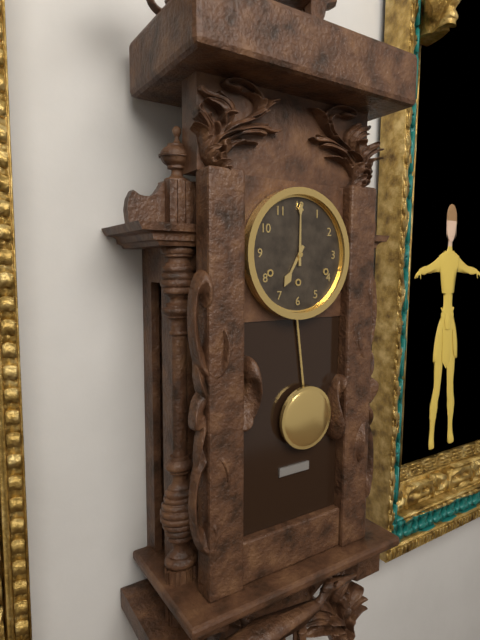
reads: 7,00
